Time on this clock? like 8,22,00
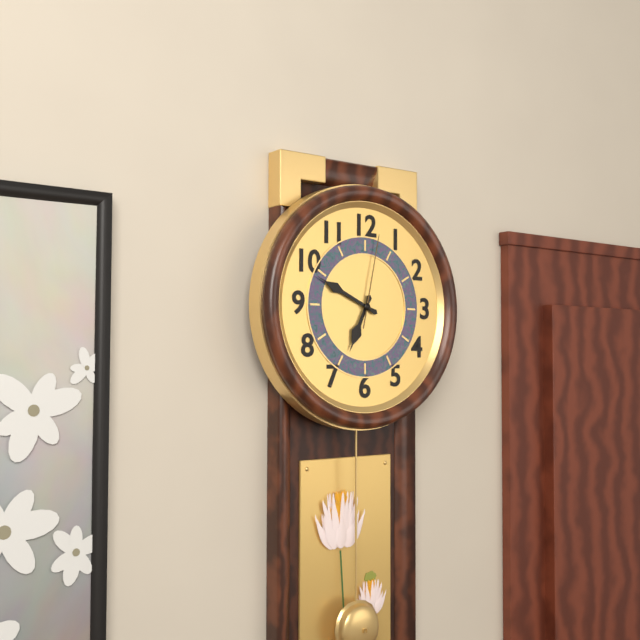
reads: 6,49,02
